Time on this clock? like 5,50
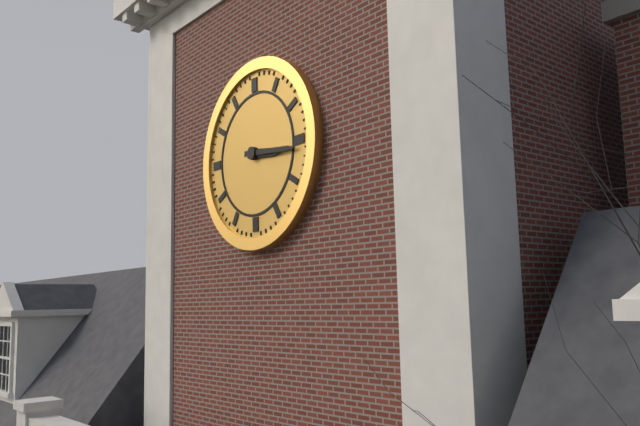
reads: 3,16
